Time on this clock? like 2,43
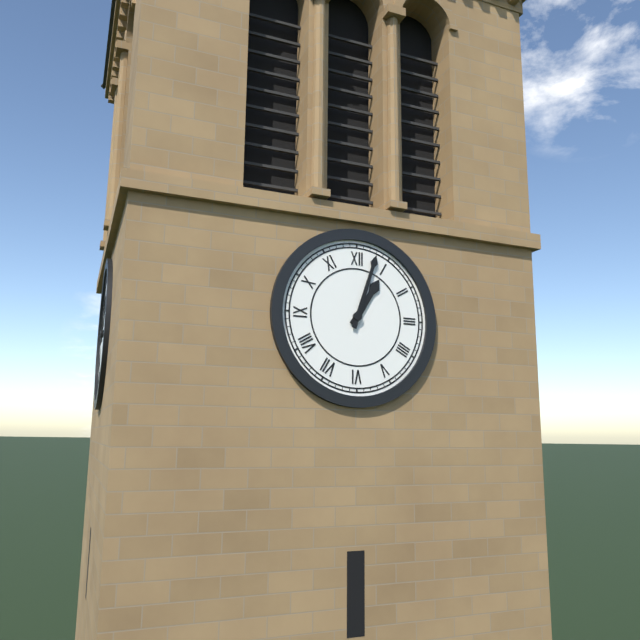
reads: 1,03
